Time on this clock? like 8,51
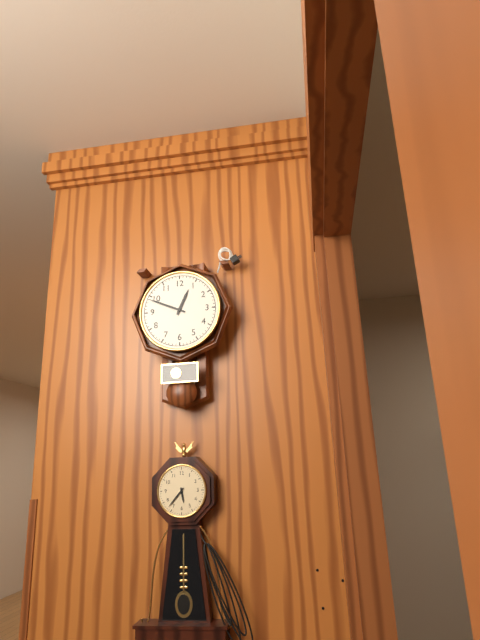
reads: 12,49
